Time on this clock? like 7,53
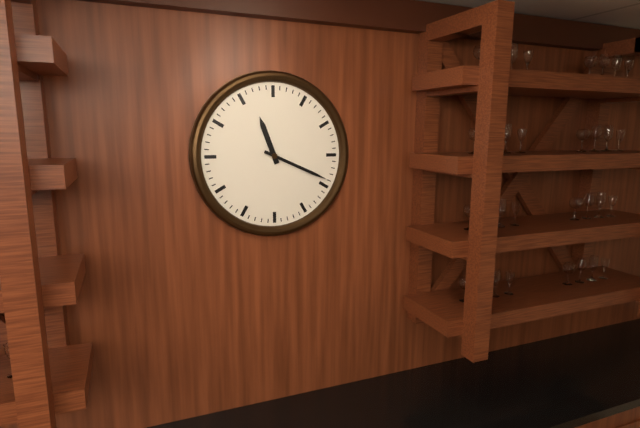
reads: 11,19
